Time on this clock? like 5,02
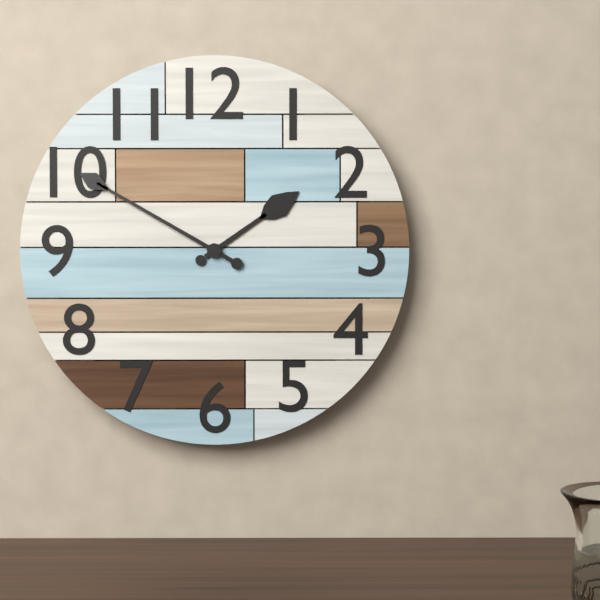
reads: 1,50
